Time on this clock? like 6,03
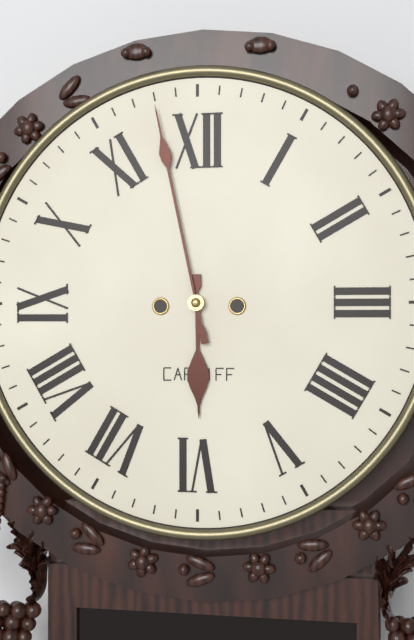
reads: 5,58
